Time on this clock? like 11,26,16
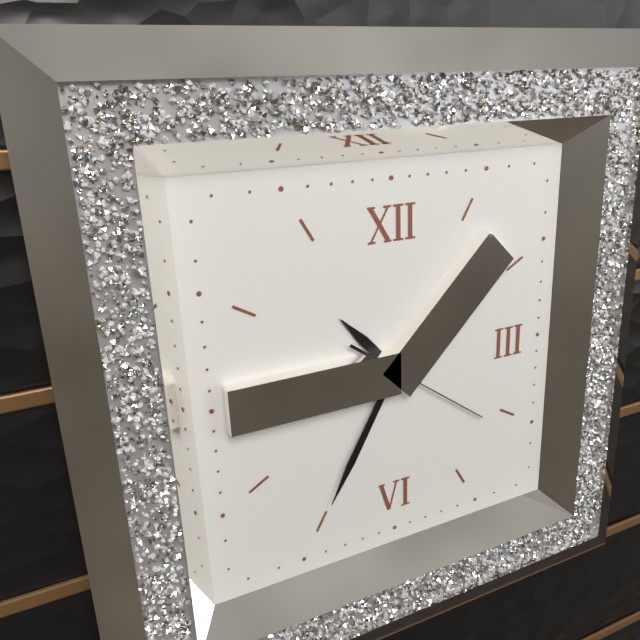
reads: 10,35,21
